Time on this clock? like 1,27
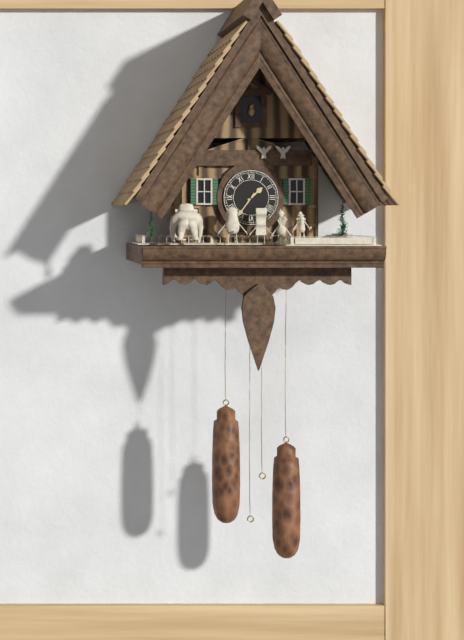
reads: 1,36
